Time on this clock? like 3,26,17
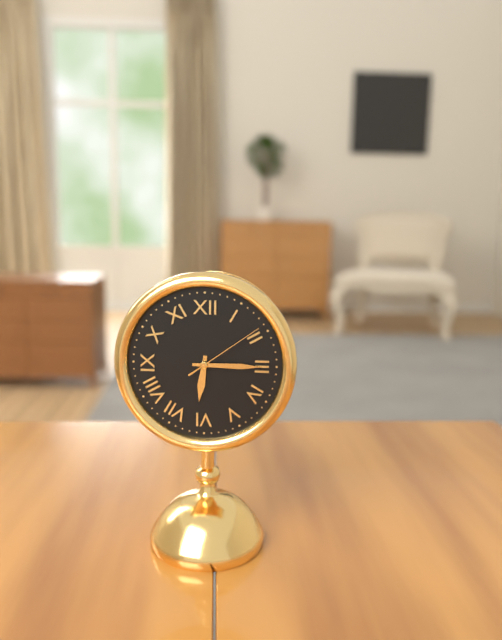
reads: 6,15,09
